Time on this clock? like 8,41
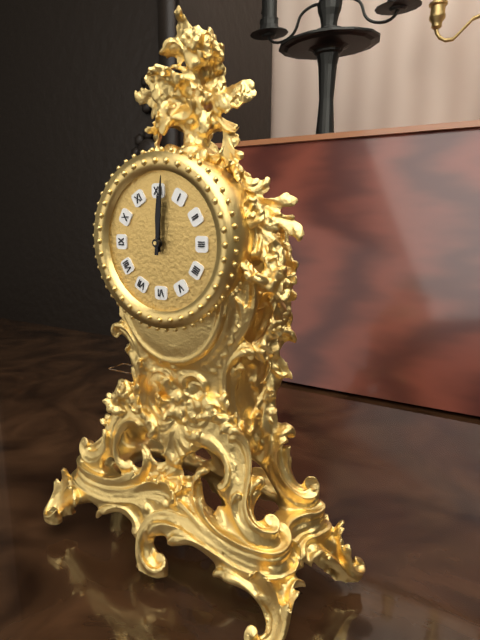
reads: 12,01
